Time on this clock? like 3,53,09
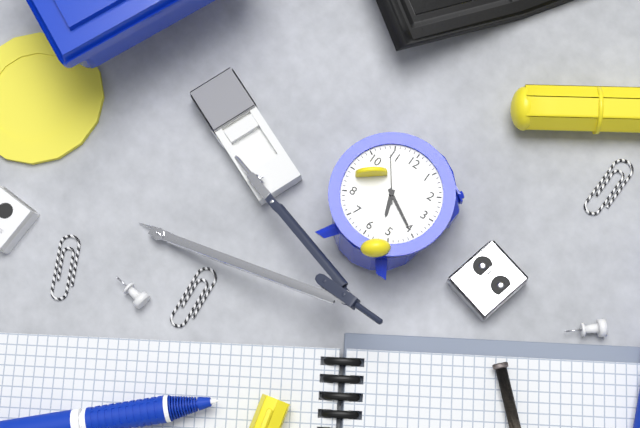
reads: 5,20,54
